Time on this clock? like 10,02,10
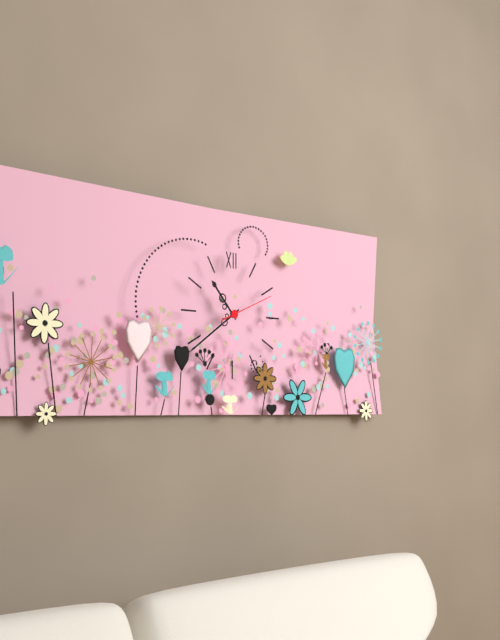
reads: 10,39,11
